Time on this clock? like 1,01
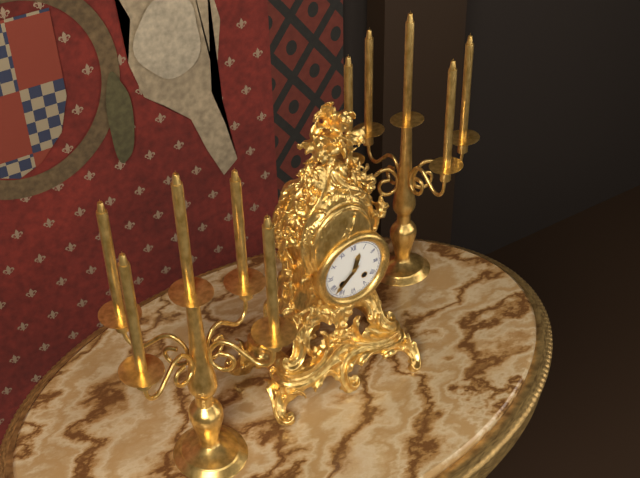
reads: 12,38
